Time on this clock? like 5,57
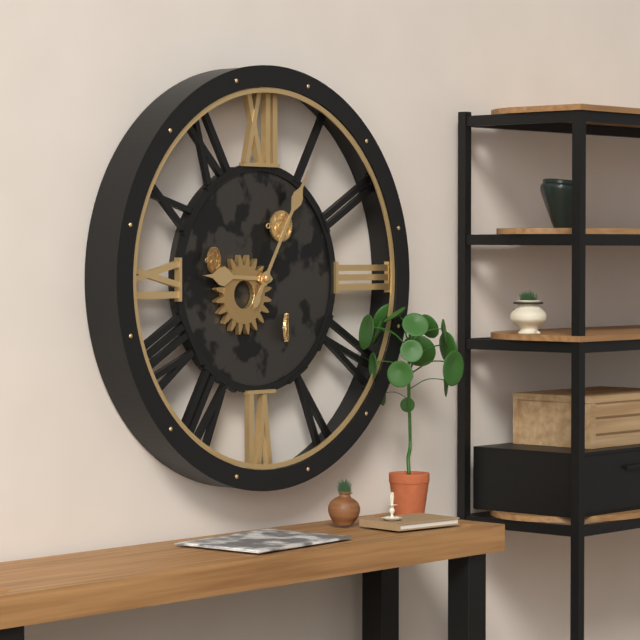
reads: 9,05
